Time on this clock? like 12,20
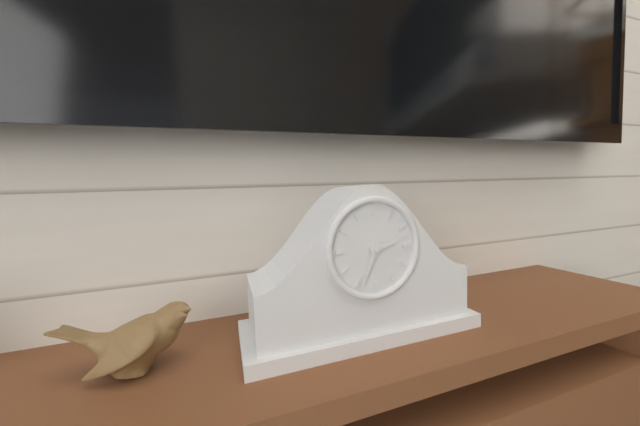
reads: 2,34
